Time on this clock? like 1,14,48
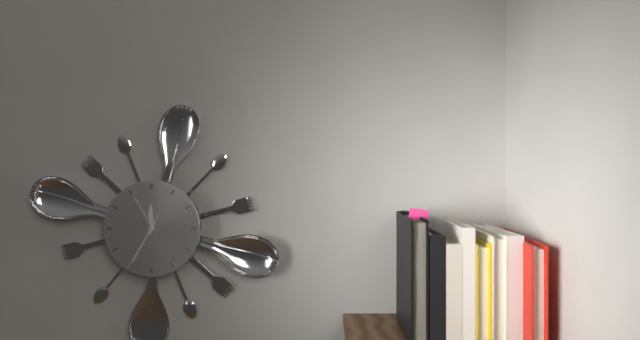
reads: 11,55,35
